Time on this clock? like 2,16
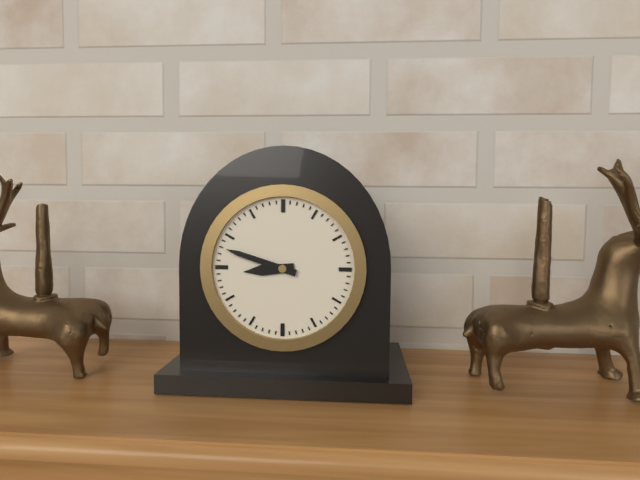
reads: 8,48
